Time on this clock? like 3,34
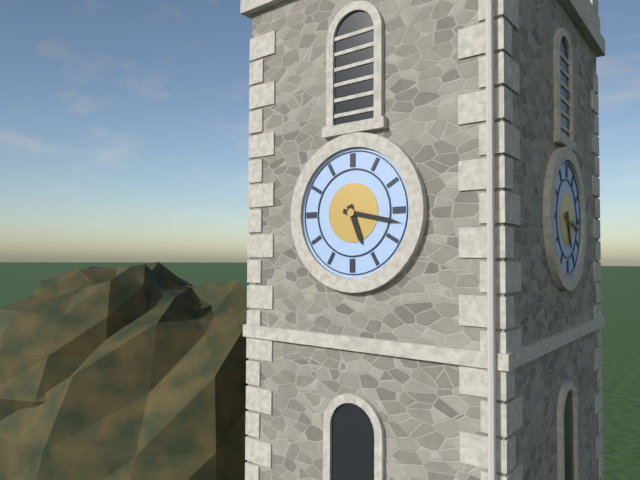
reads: 5,17
